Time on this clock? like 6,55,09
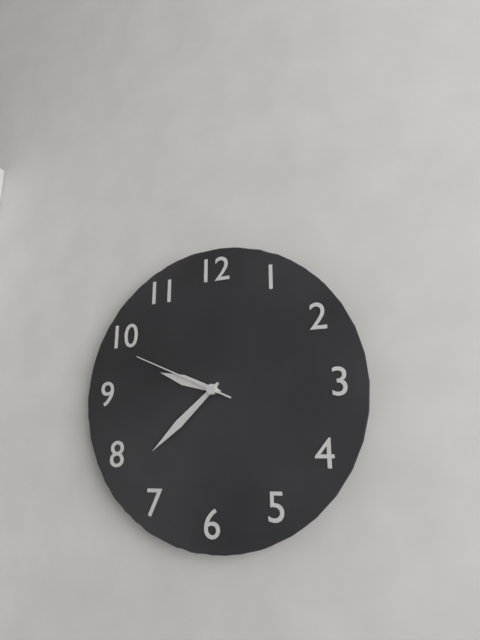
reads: 9,38,49
